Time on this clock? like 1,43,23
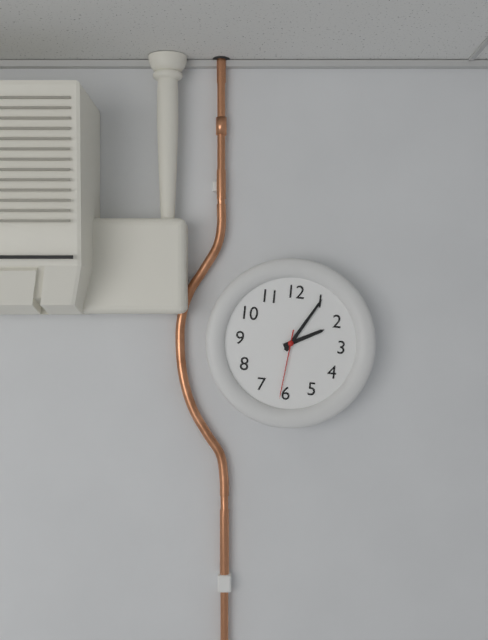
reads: 2,05,31
